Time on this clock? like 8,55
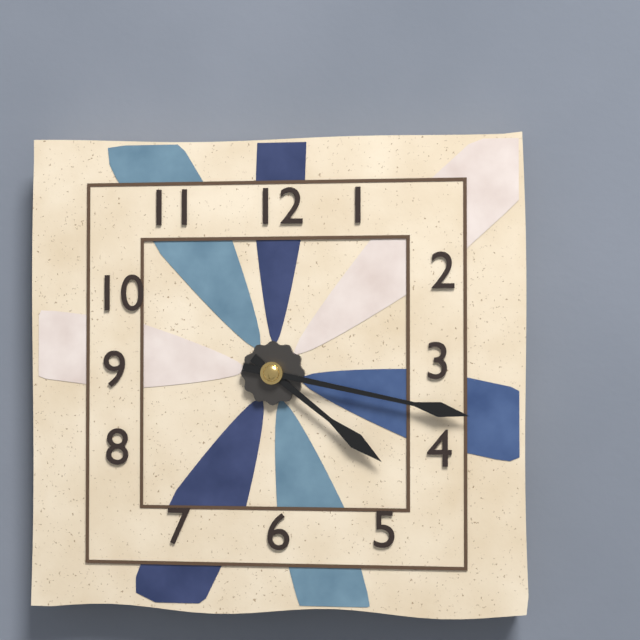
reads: 4,17
